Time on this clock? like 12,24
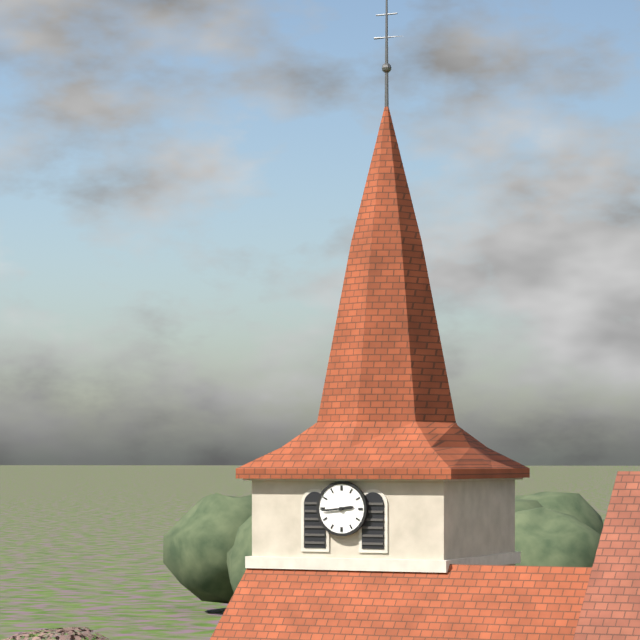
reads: 2,44
